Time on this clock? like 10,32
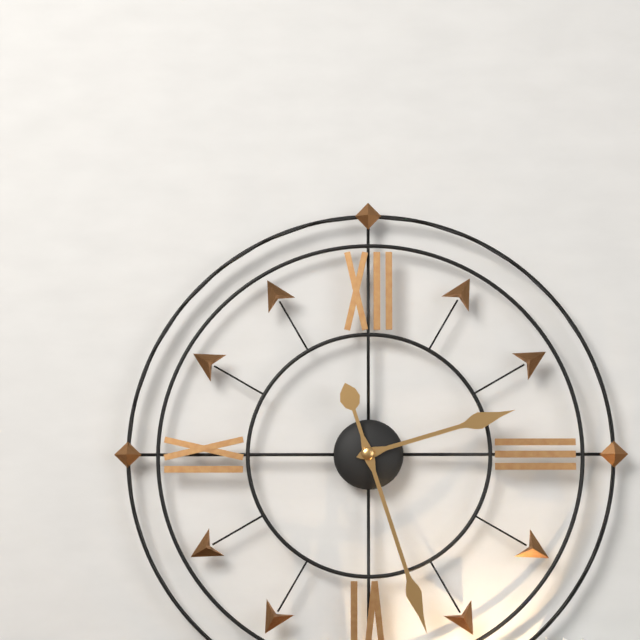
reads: 2,27
